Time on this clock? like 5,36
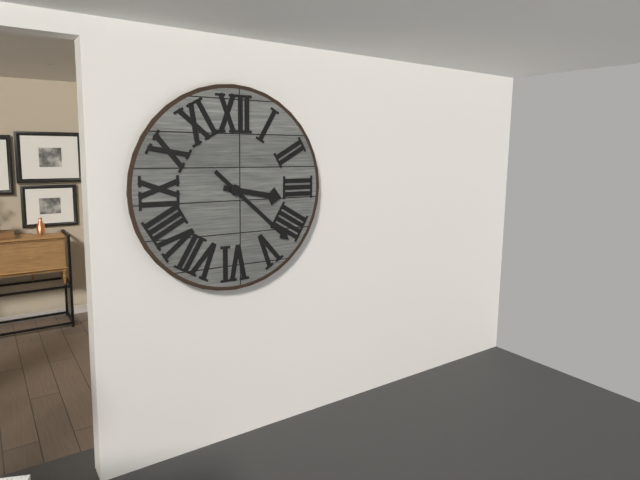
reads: 3,22
